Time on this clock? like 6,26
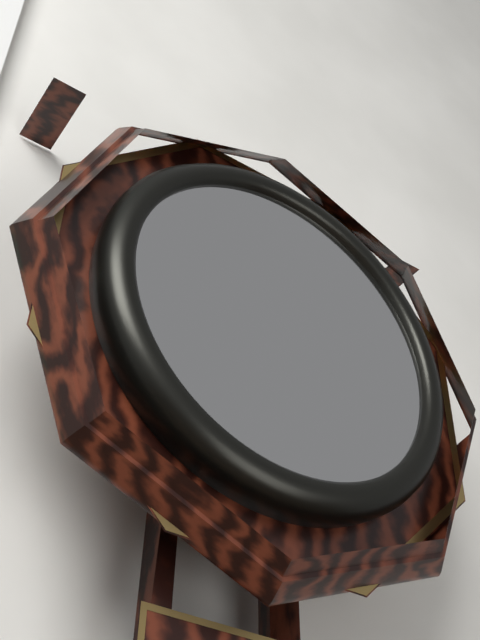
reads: 11,15
